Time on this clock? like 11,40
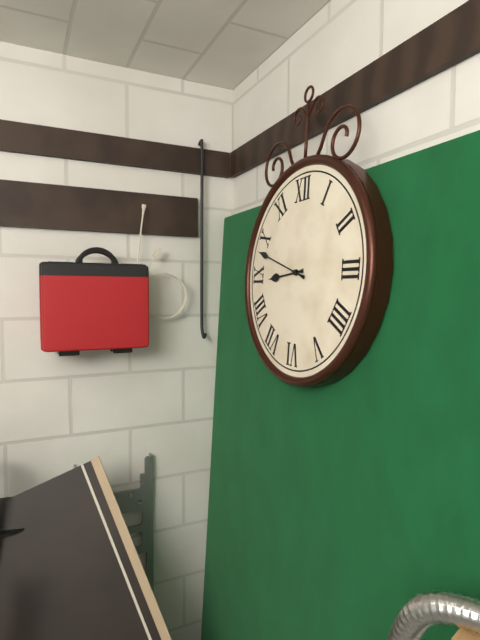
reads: 8,48
